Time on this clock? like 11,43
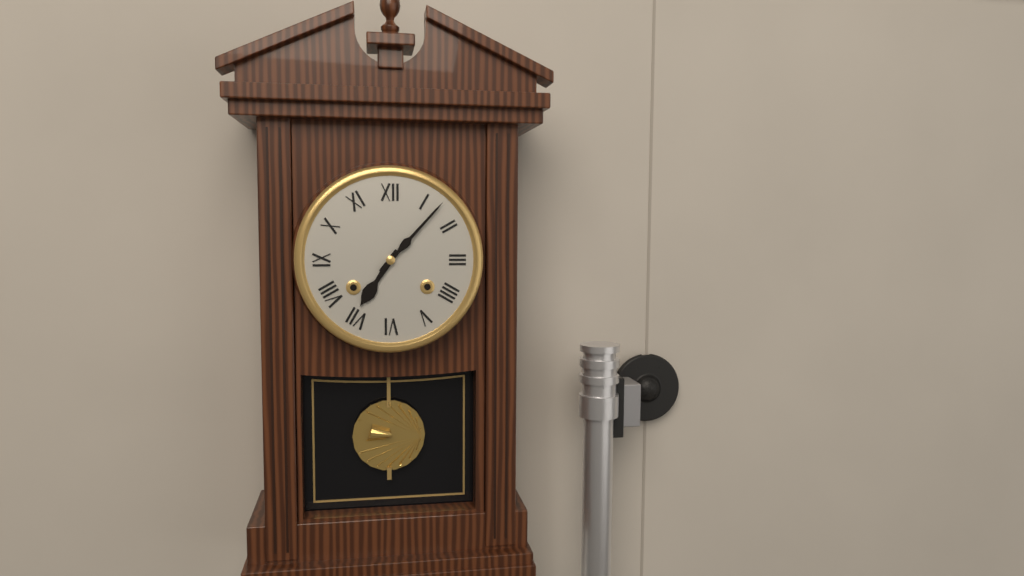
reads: 7,07
